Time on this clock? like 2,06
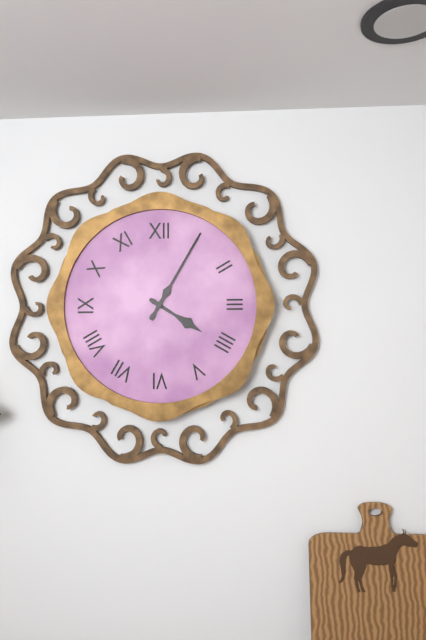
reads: 4,05
